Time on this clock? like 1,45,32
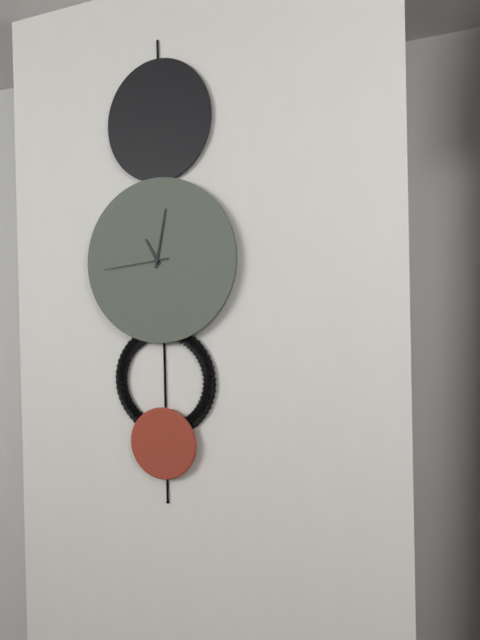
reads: 11,02,44
